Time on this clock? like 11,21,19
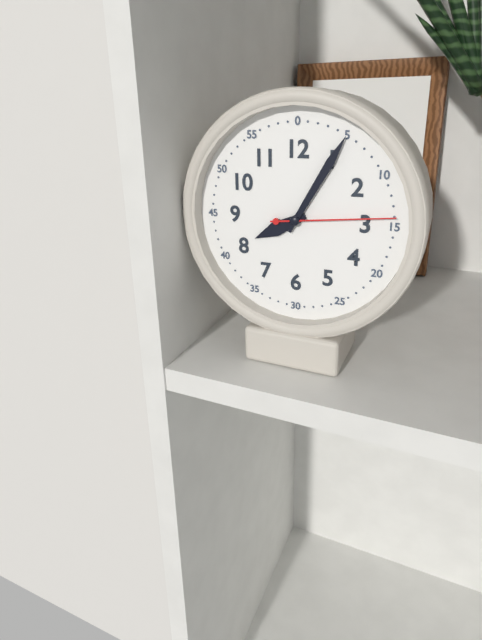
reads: 8,05,14
